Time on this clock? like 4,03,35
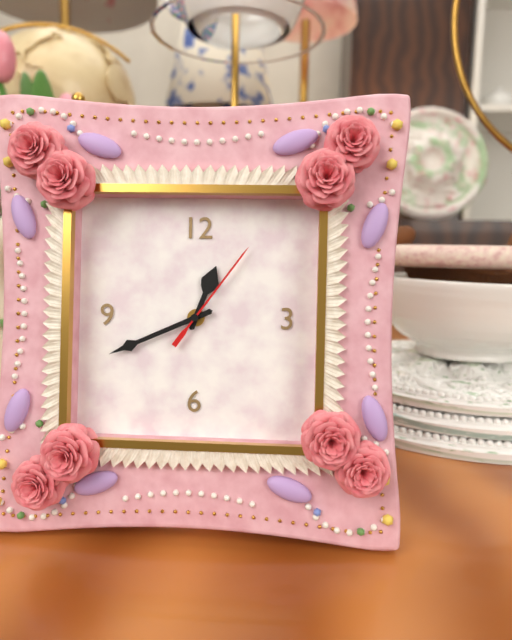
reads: 12,41,06
